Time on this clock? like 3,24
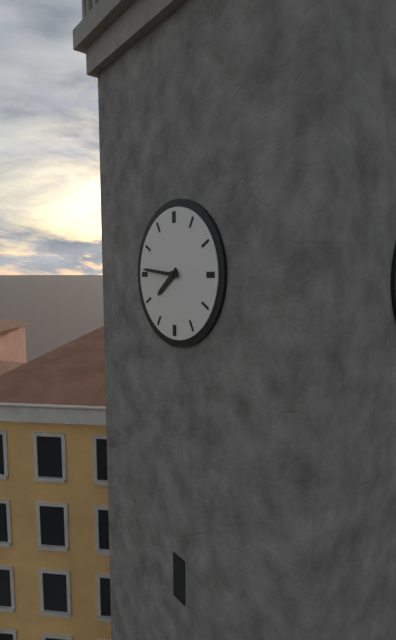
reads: 7,46
